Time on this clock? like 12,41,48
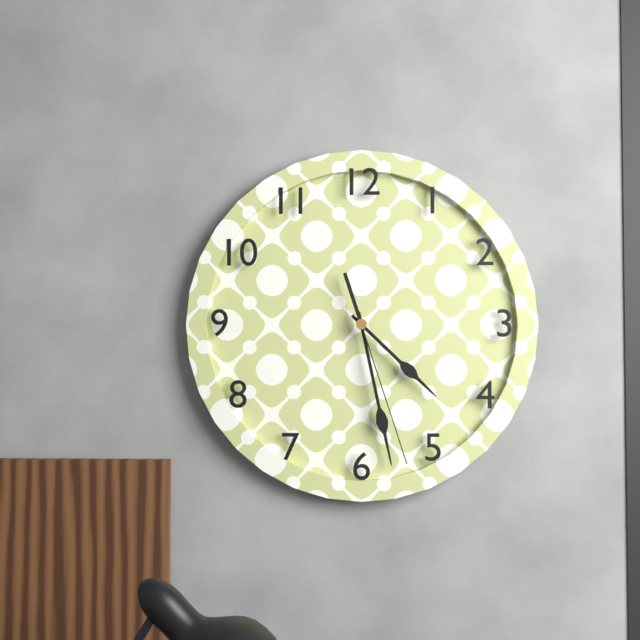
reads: 4,28,27
